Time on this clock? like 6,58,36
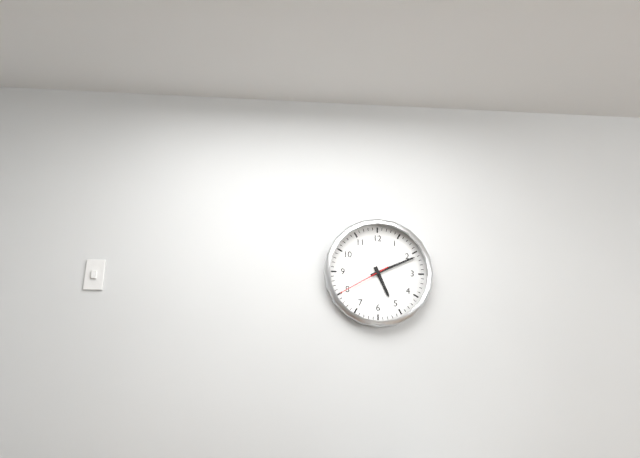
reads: 5,11,40
